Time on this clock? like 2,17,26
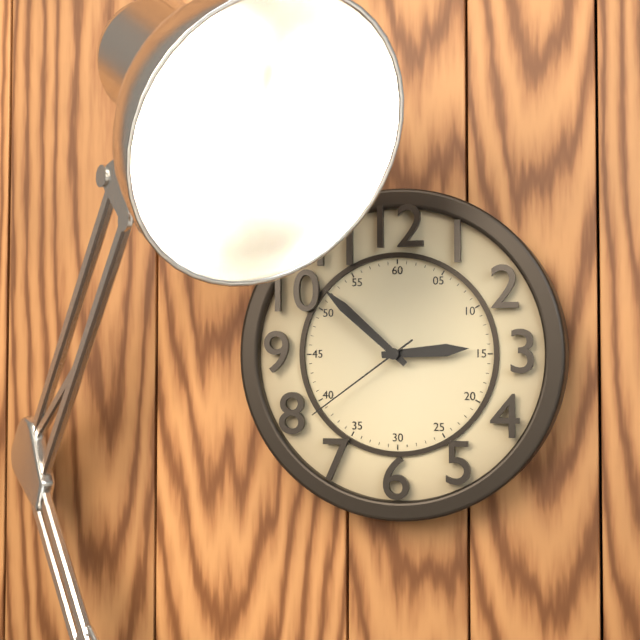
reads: 2,52,39
